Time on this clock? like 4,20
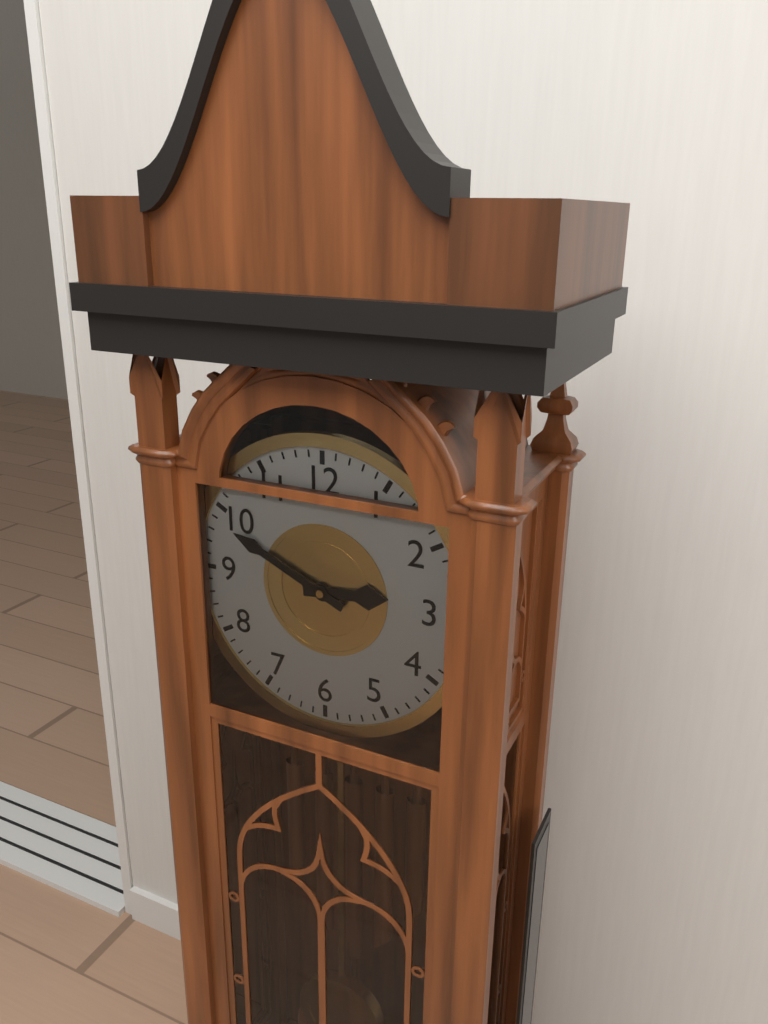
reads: 2,49
